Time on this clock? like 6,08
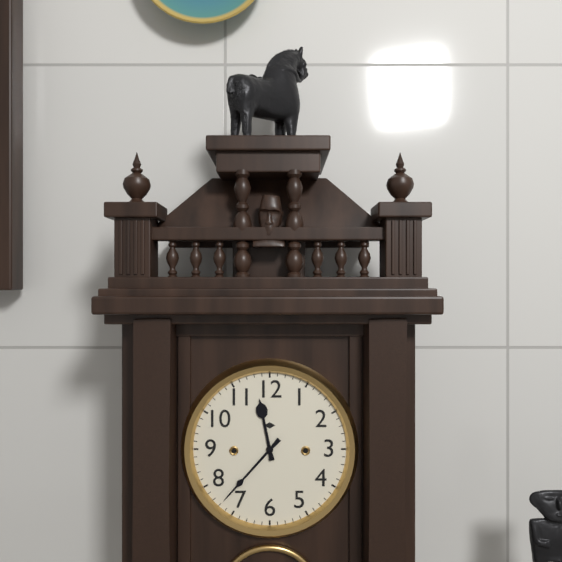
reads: 11,37
